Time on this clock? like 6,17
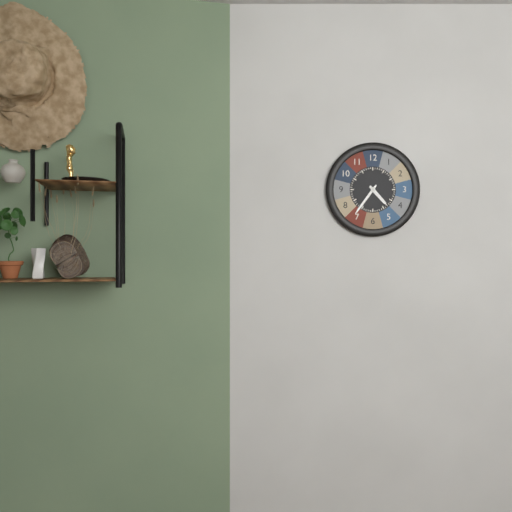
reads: 4,36
